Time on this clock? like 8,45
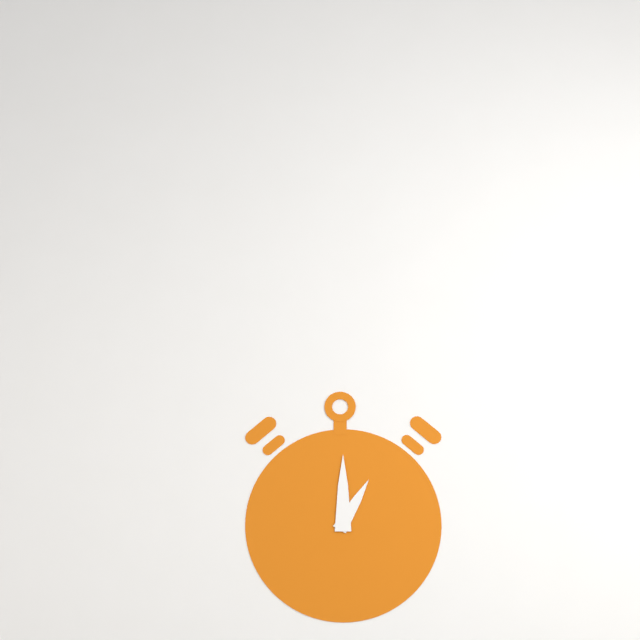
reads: 1,00
